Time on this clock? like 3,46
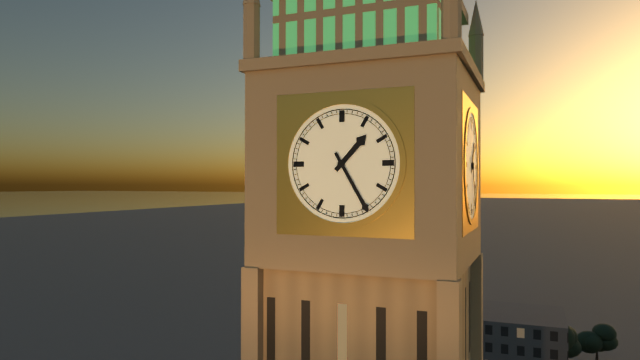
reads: 1,25
